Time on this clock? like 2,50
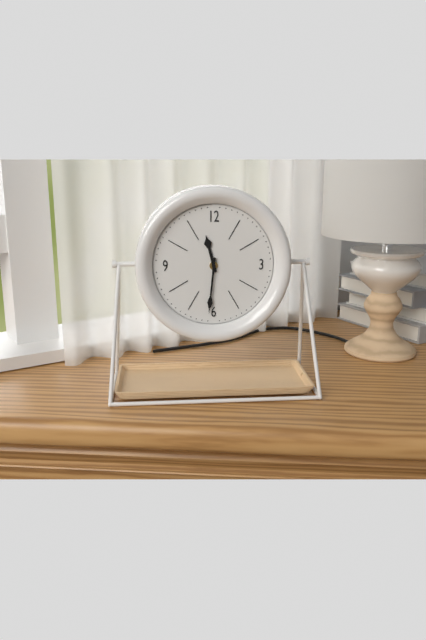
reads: 11,31
